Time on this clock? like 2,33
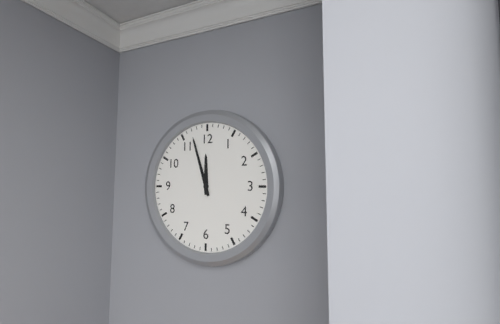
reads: 11,57
